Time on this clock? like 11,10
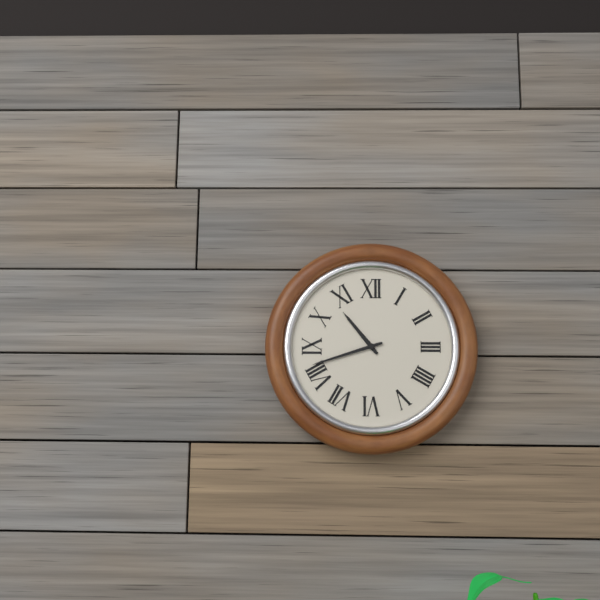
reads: 10,42
